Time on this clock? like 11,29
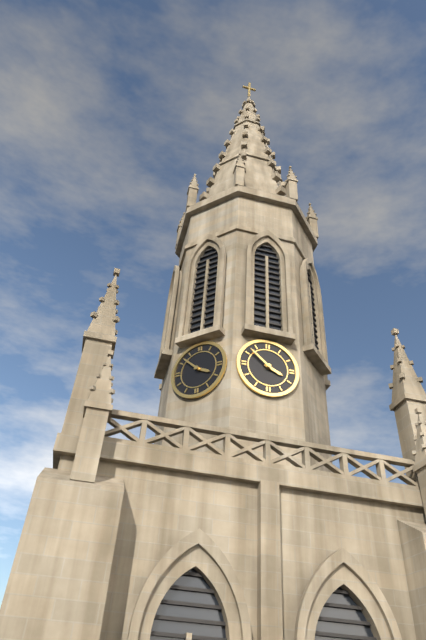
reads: 3,52
